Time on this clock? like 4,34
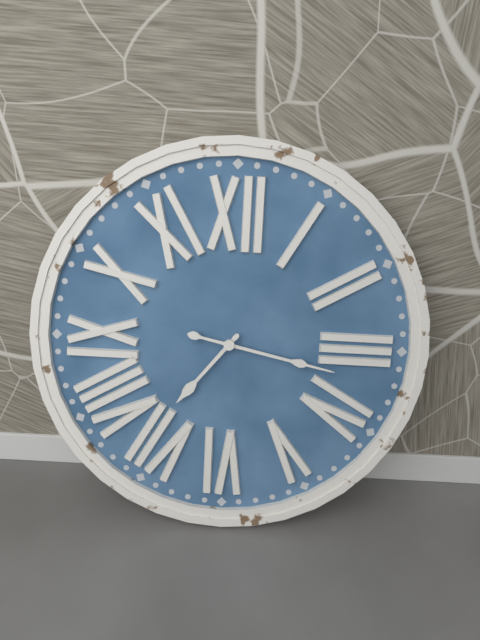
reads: 7,17
